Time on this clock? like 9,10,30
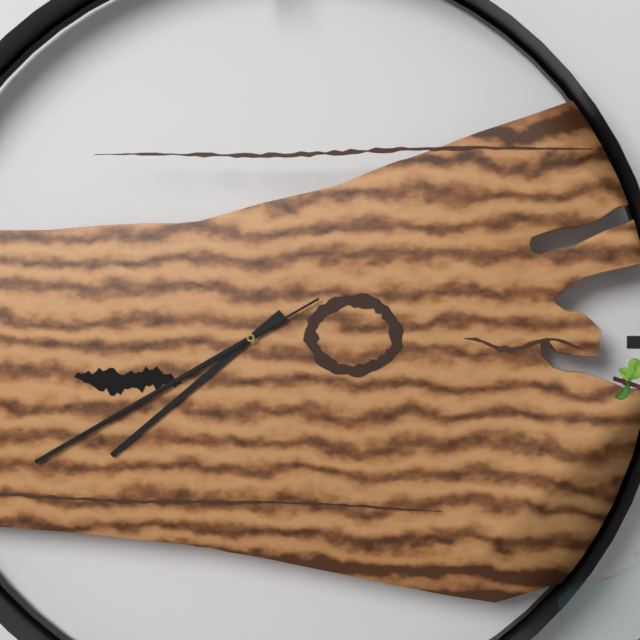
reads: 7,40,40
